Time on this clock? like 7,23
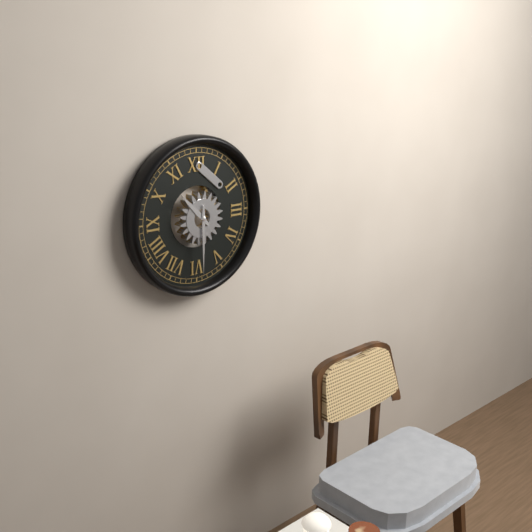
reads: 10,30
